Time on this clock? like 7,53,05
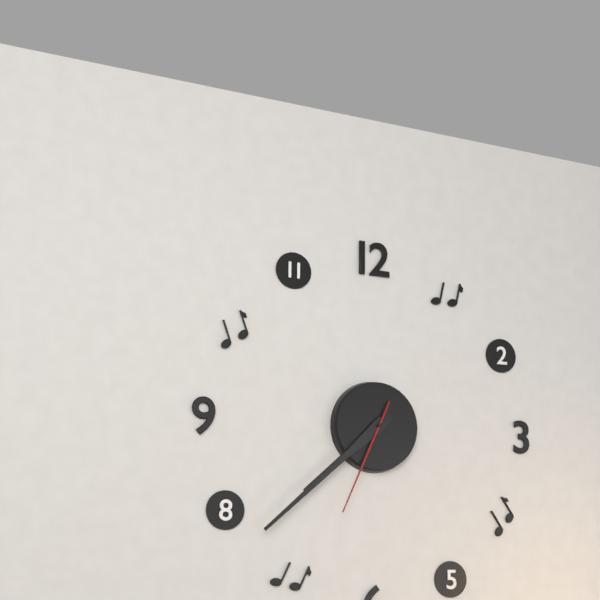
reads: 7,38,34
